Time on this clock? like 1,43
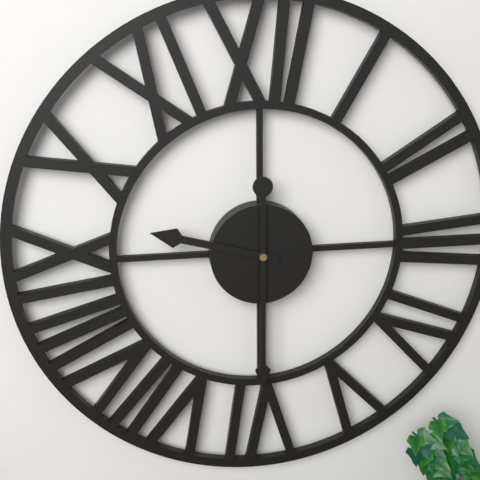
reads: 9,30
